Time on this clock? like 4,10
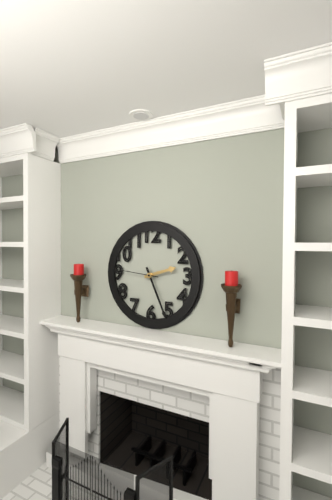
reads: 2,26
